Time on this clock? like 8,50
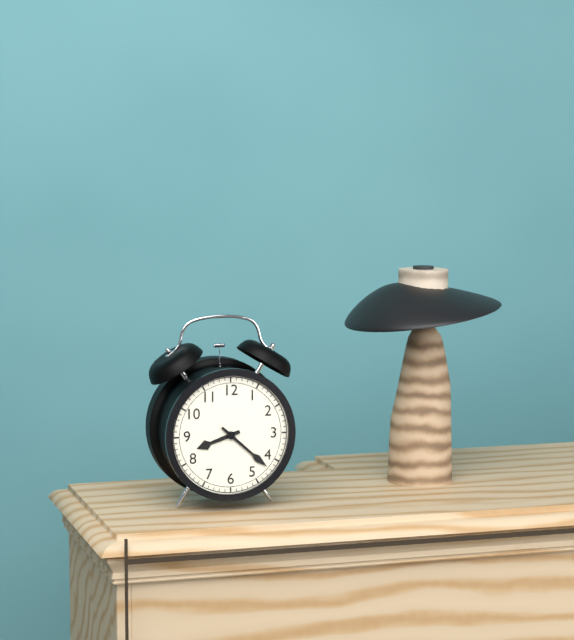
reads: 8,22
